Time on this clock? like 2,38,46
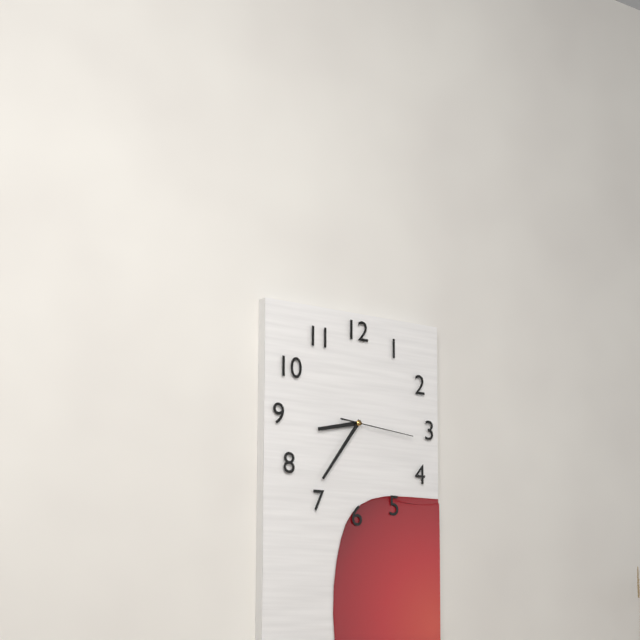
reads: 8,36,16
